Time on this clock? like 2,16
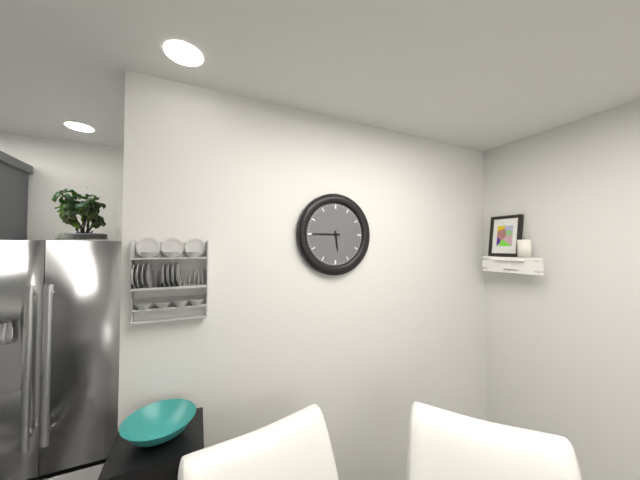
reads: 5,45
